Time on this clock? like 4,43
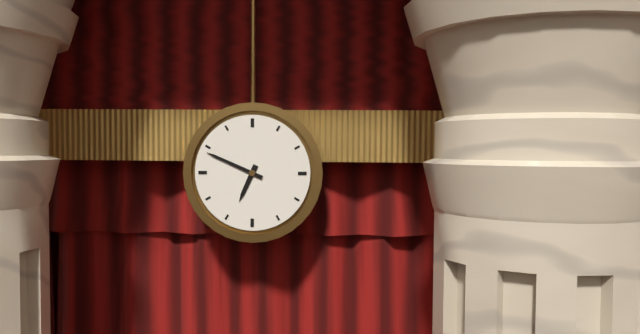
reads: 6,49
